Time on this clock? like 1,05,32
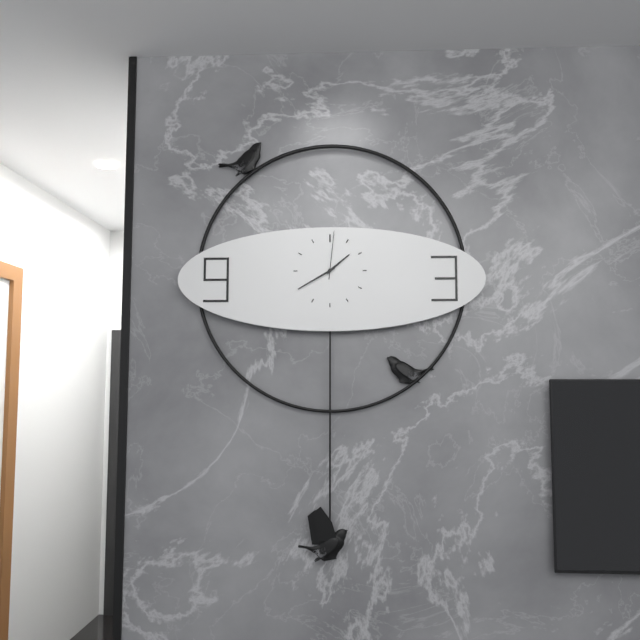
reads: 1,40,01
